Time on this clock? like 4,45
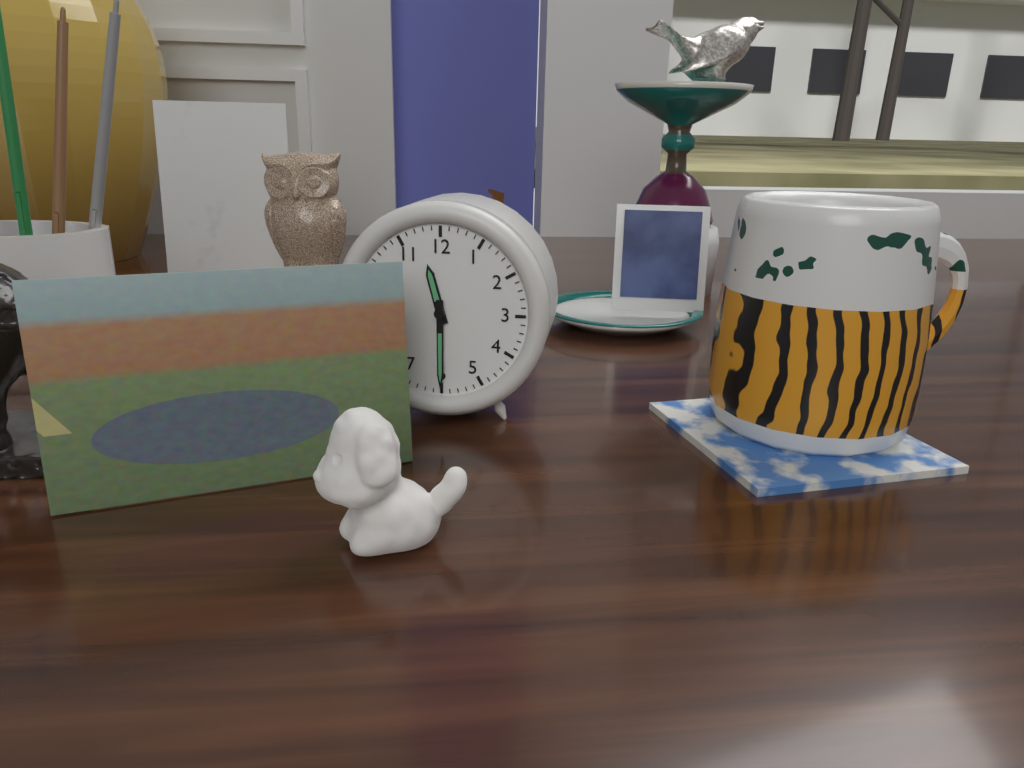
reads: 11,30
